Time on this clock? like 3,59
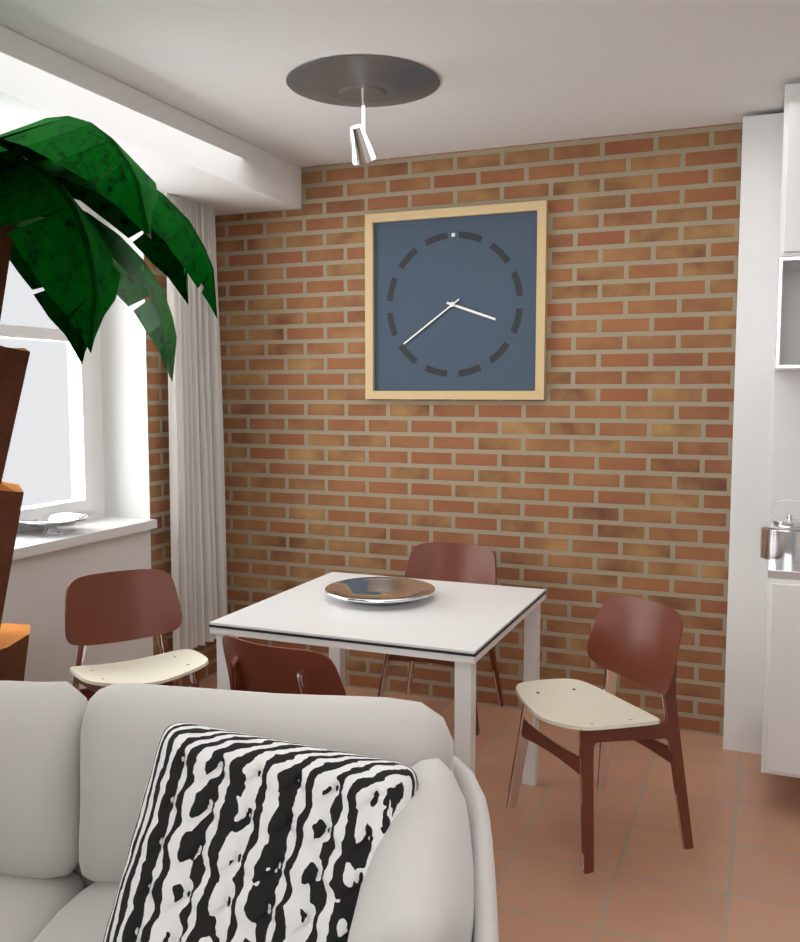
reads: 3,39
